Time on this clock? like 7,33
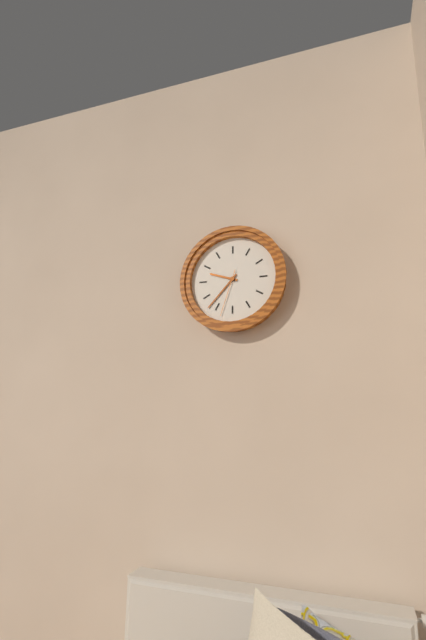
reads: 9,37
